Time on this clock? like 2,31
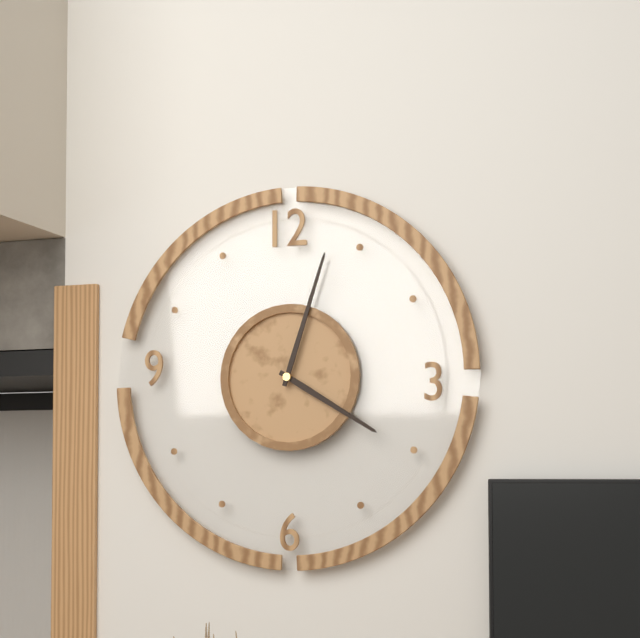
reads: 4,03
